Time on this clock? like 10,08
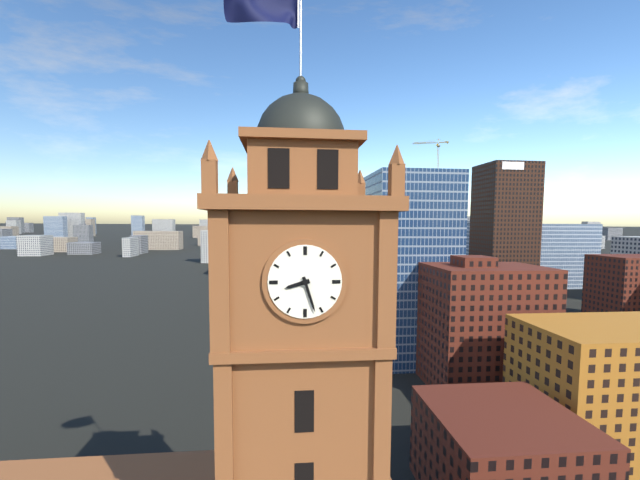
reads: 8,27
